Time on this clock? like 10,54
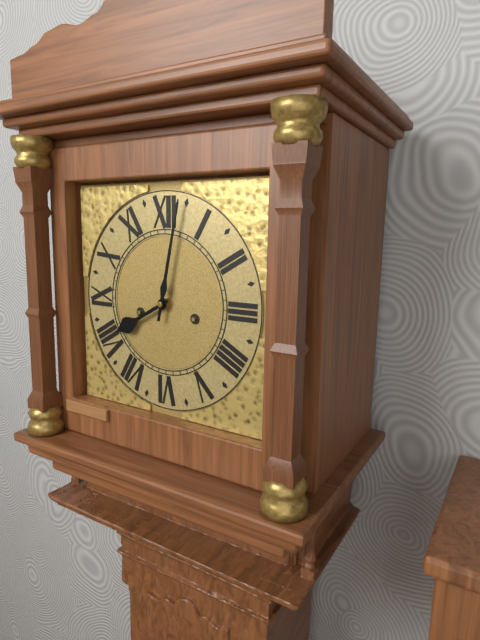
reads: 8,02
